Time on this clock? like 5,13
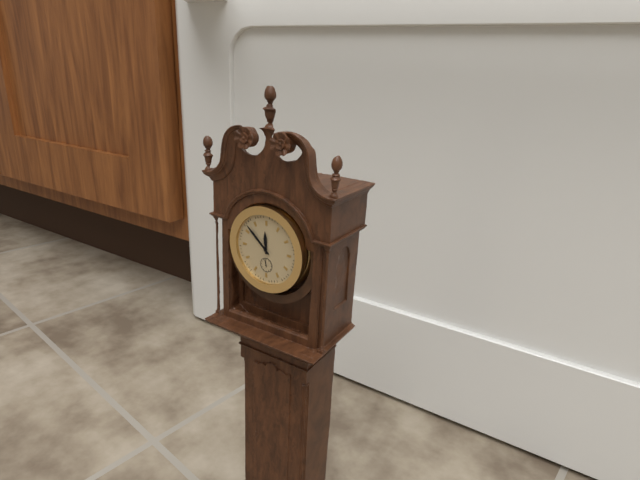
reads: 11,52
